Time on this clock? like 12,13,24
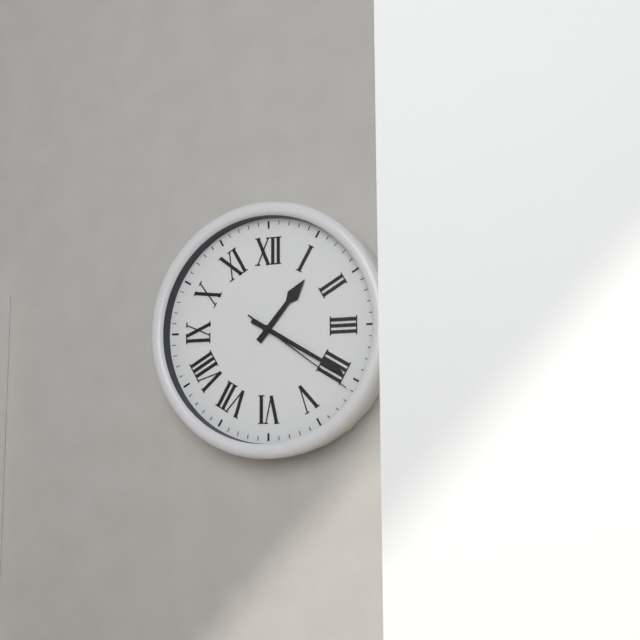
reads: 1,20,21
